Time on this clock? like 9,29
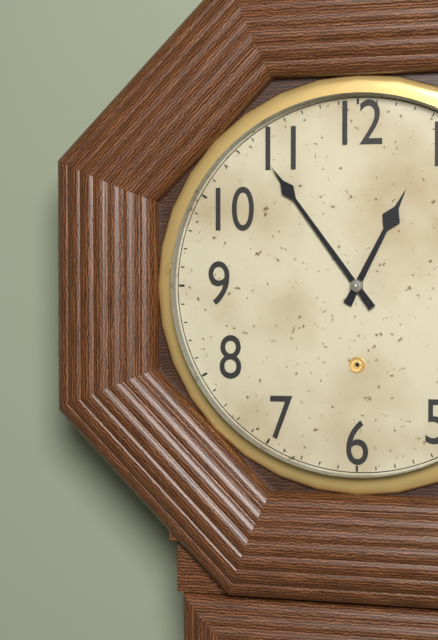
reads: 12,54
